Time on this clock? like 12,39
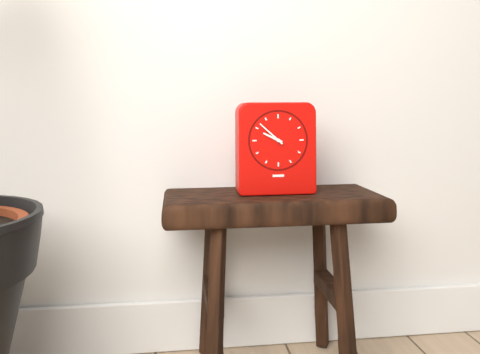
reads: 9,52
